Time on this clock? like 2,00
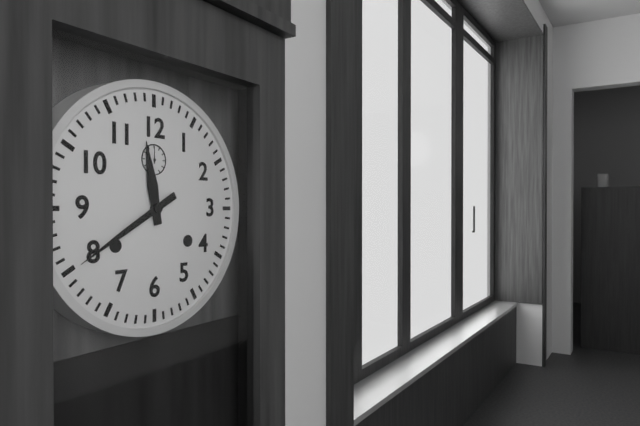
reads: 11,40
